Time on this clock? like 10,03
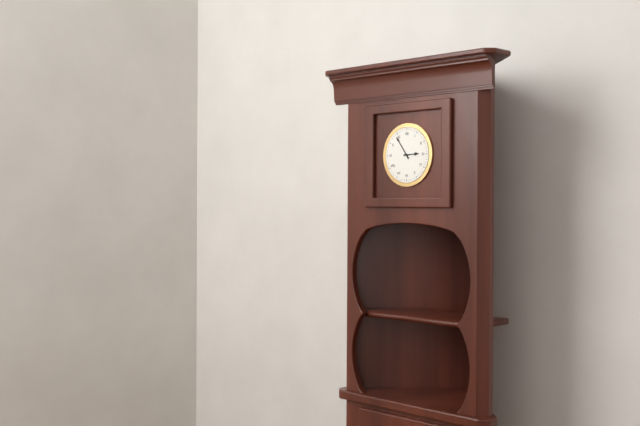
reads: 2,54
